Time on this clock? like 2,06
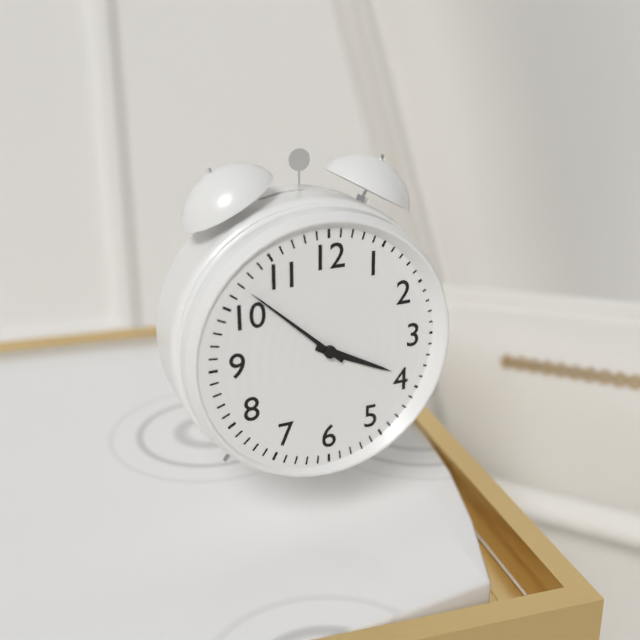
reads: 3,52
